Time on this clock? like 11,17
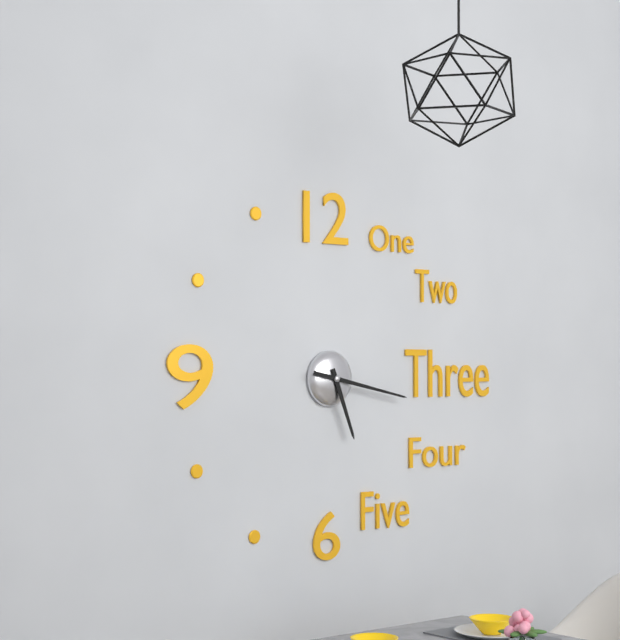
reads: 5,17
